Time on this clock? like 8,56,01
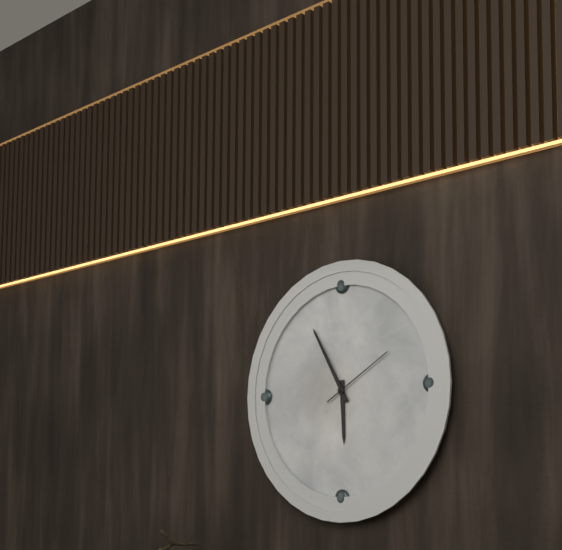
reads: 5,55,10
